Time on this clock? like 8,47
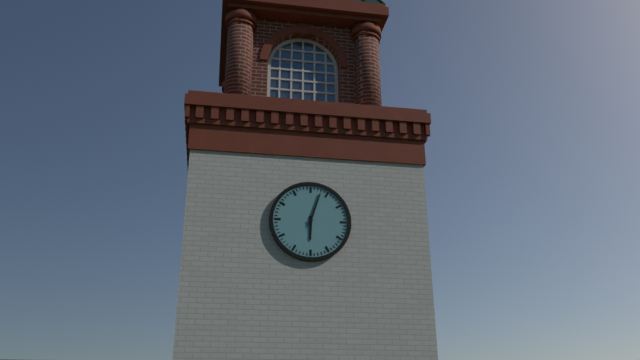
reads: 6,03
